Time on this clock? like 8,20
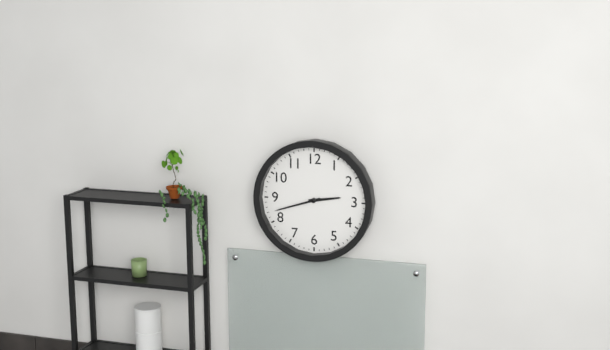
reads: 2,42
